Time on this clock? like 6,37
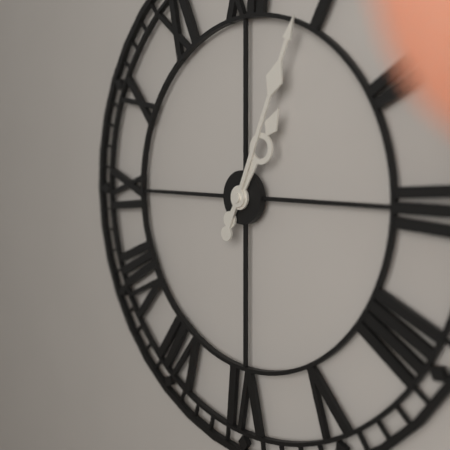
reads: 1,04
